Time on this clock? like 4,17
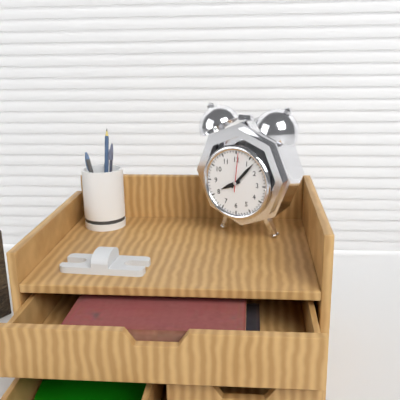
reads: 8,07
